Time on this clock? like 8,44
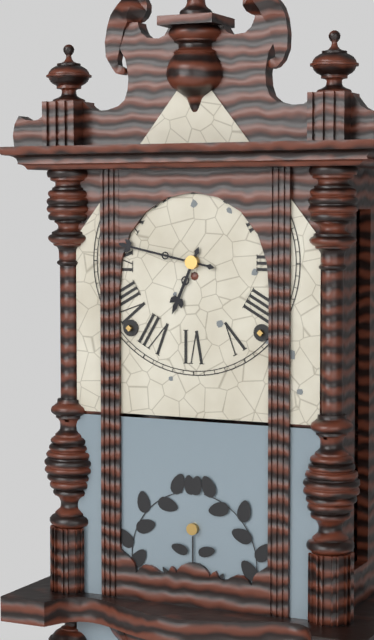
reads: 6,47
